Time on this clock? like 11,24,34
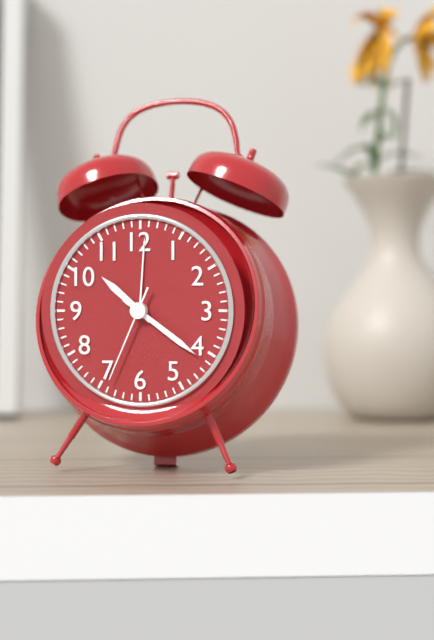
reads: 10,21,34
